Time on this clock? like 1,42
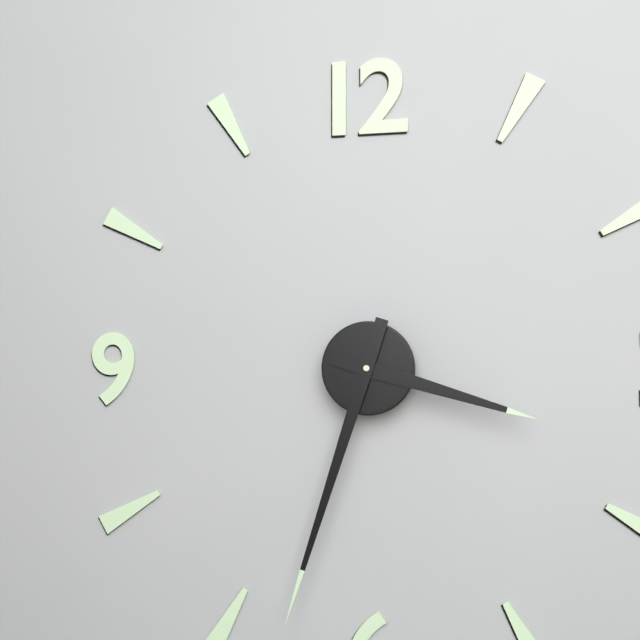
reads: 3,33
